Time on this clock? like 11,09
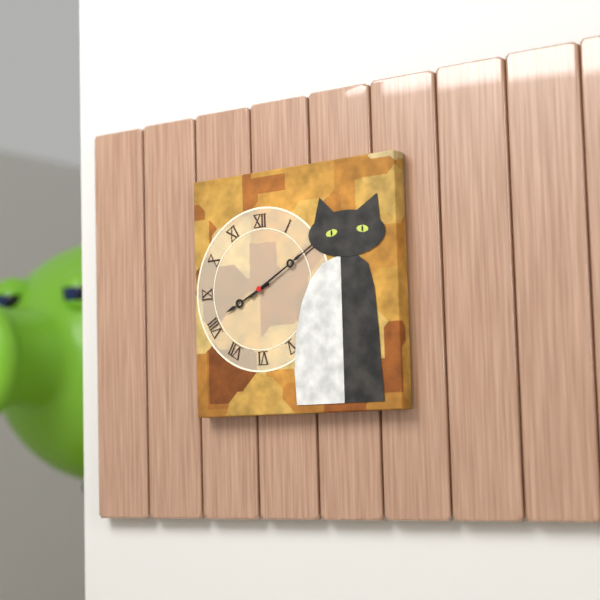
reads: 8,10
